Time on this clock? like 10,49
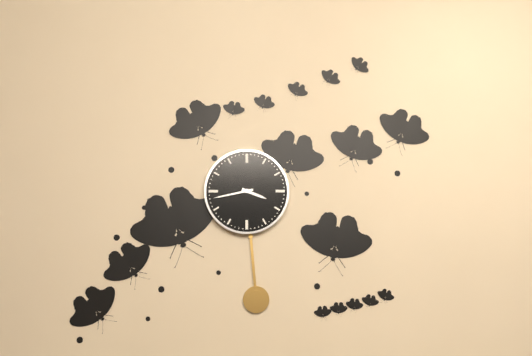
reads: 3,43
